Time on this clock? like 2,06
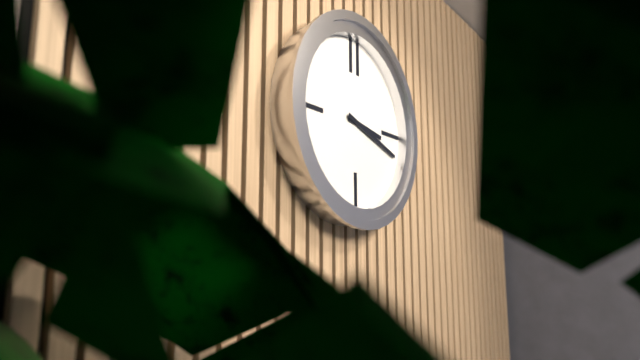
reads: 3,18
